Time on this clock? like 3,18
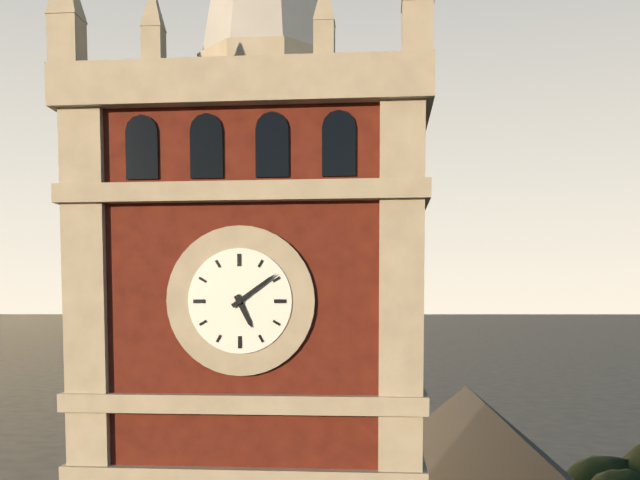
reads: 5,09
